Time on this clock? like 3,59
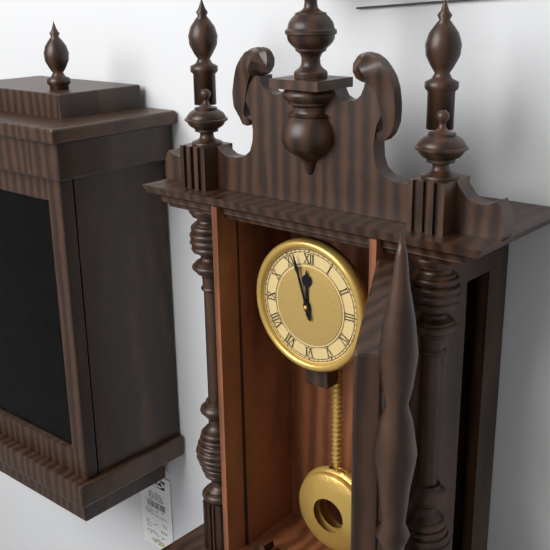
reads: 11,57
